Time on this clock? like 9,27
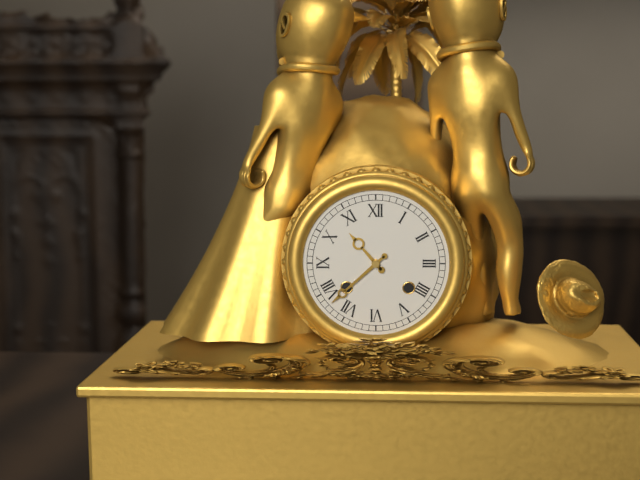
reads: 10,38
